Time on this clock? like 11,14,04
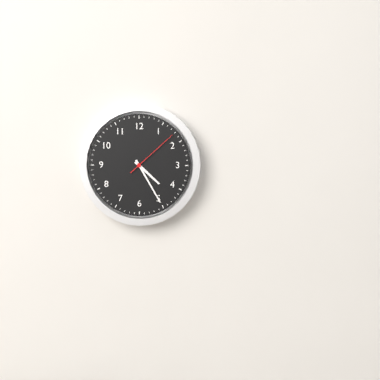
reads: 4,25,08
